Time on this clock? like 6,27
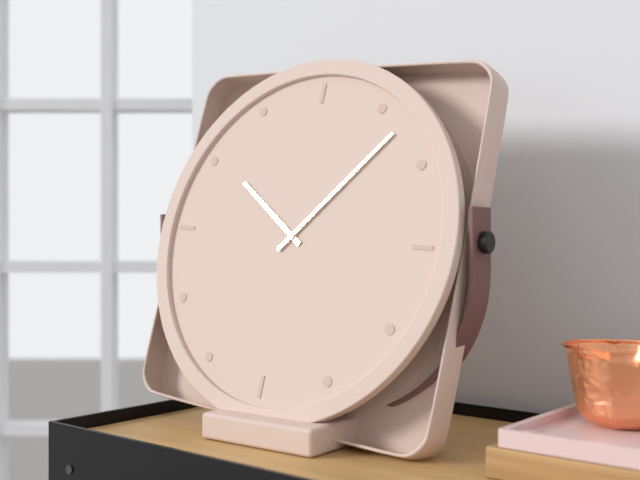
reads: 10,07
